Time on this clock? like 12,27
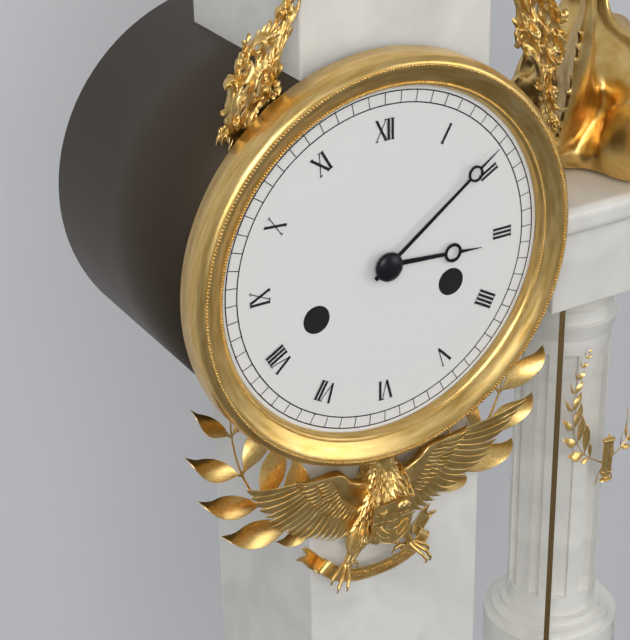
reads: 3,09
